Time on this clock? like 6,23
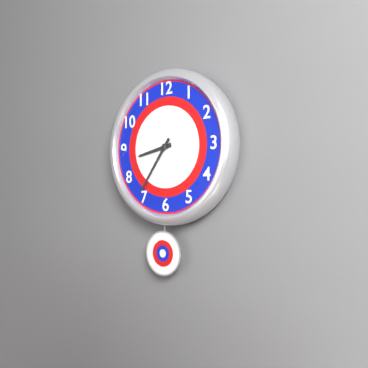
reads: 8,36
